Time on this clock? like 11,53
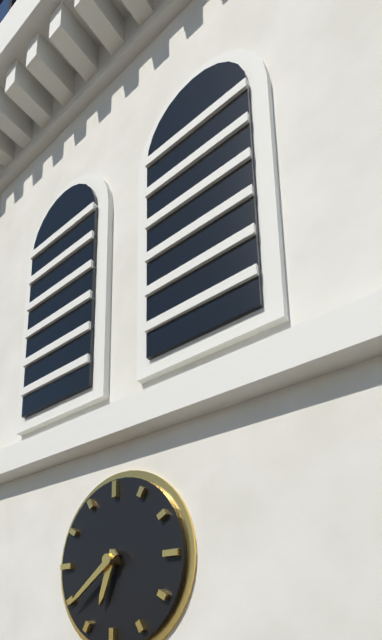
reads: 6,39
